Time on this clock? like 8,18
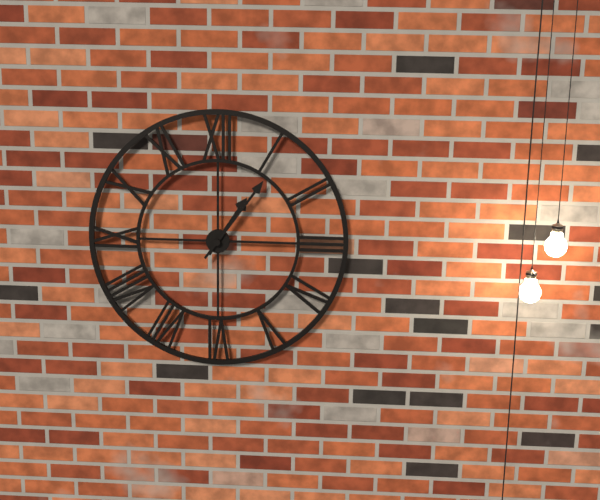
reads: 1,06
